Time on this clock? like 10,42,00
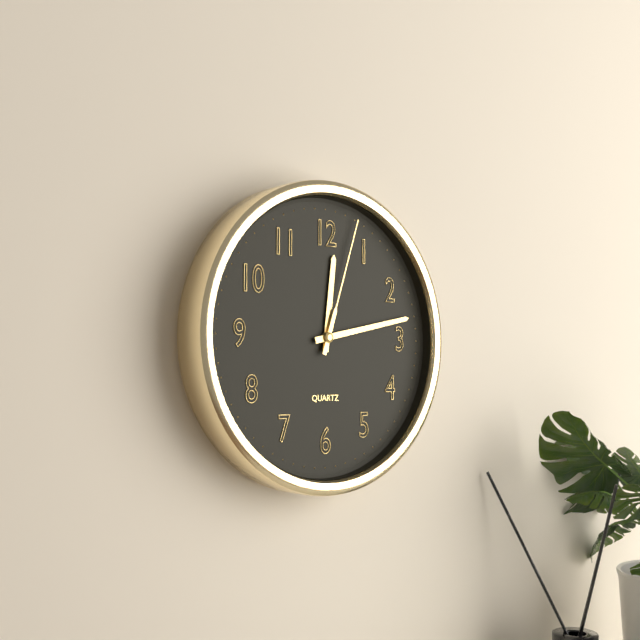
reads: 12,13,03
